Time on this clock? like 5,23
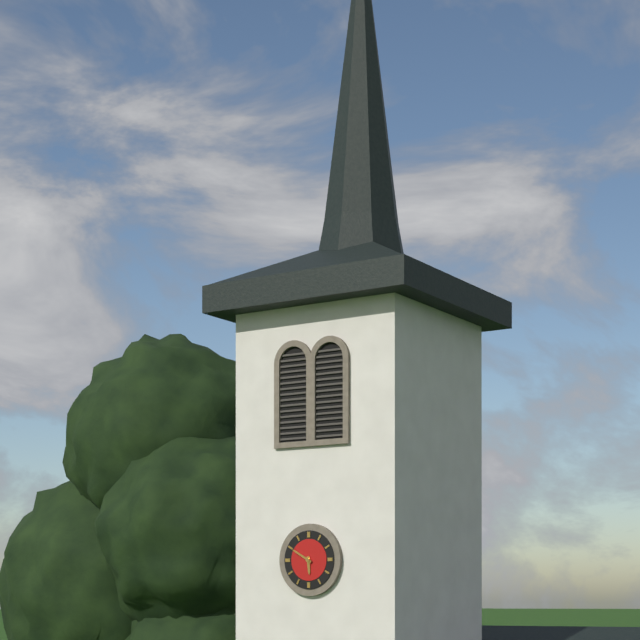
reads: 5,50
